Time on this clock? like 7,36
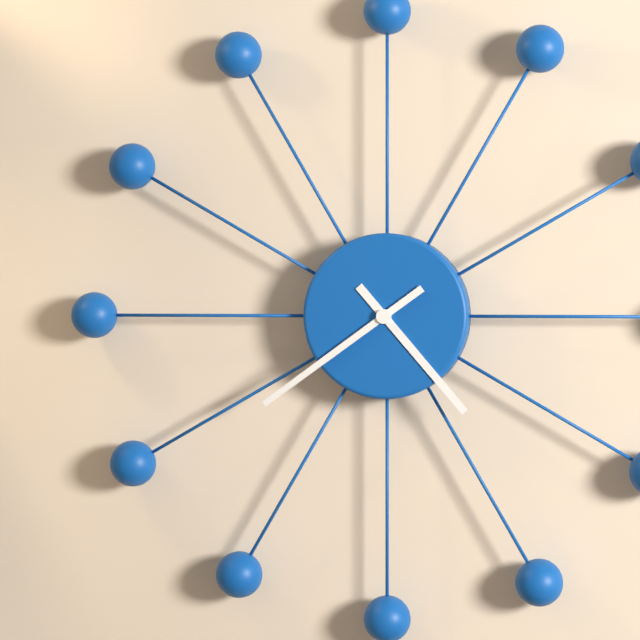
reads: 4,39
